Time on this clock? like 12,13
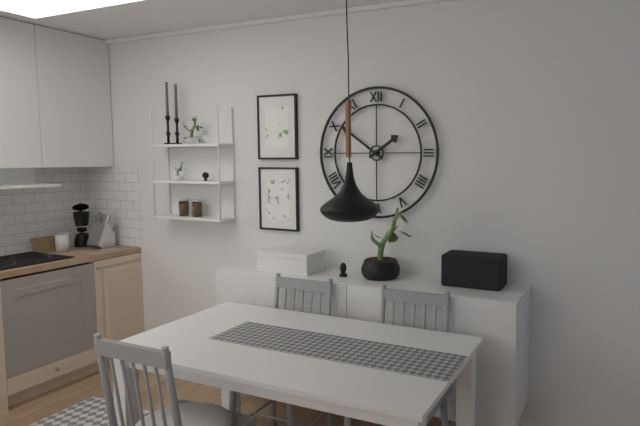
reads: 1,51
